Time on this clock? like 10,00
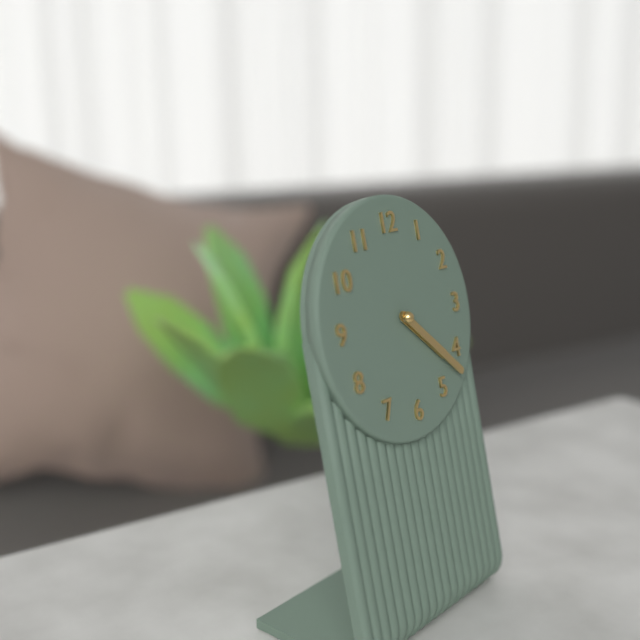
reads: 4,22
